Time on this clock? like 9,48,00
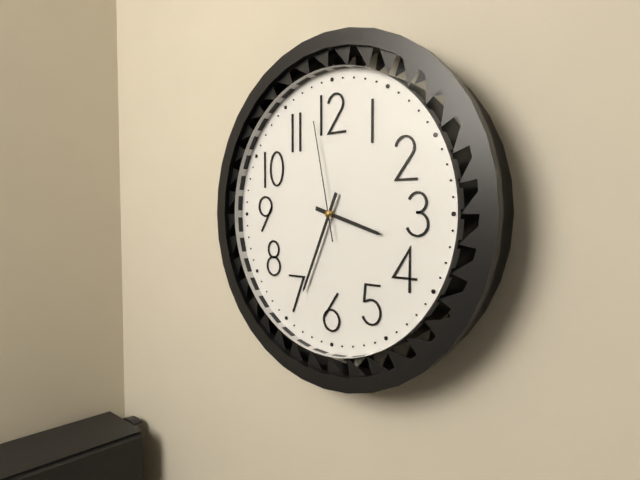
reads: 3,34,58
